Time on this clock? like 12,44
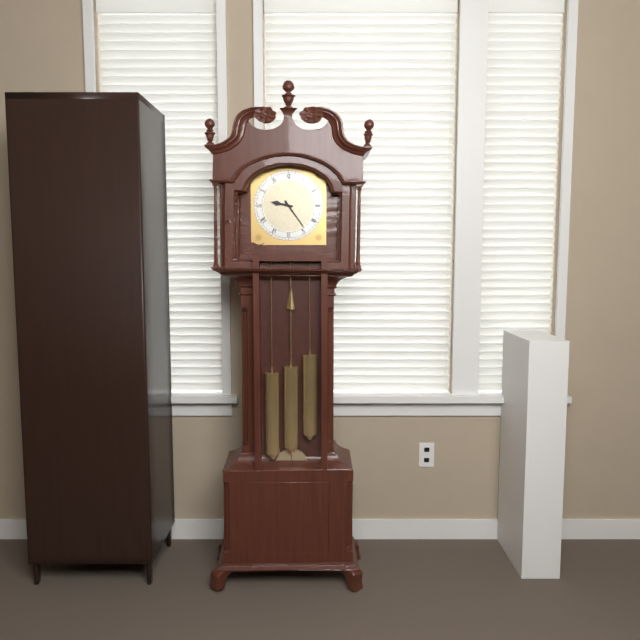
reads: 9,24
